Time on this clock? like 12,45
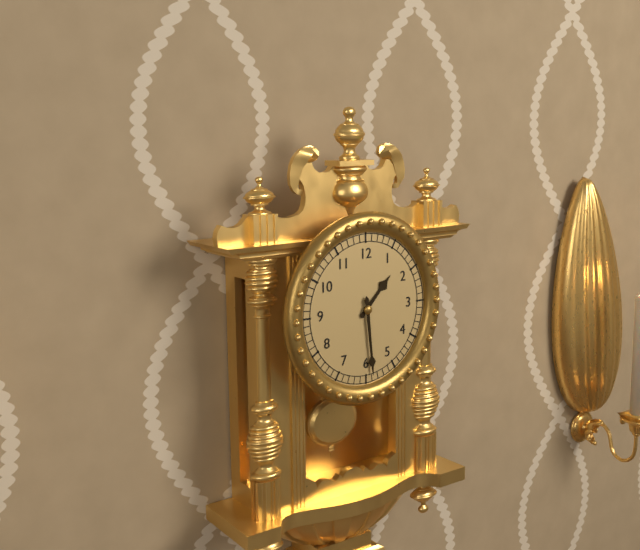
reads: 1,29
